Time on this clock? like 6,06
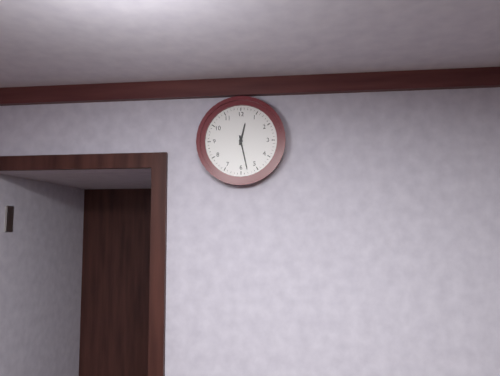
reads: 12,28
